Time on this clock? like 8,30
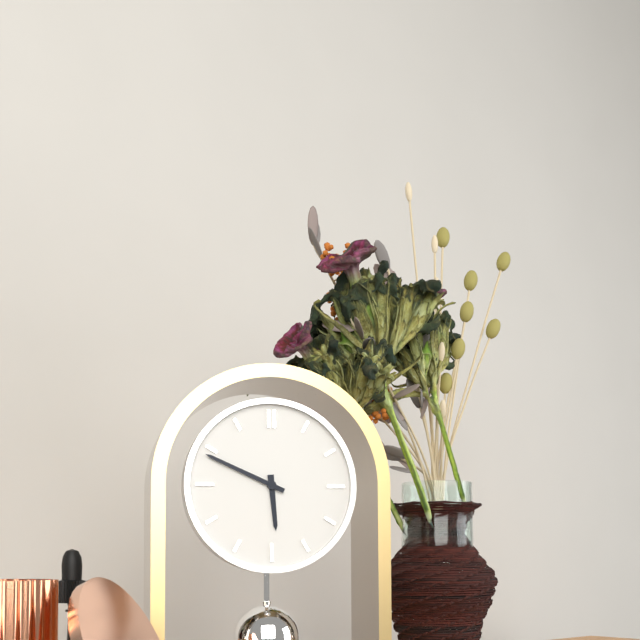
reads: 5,49
